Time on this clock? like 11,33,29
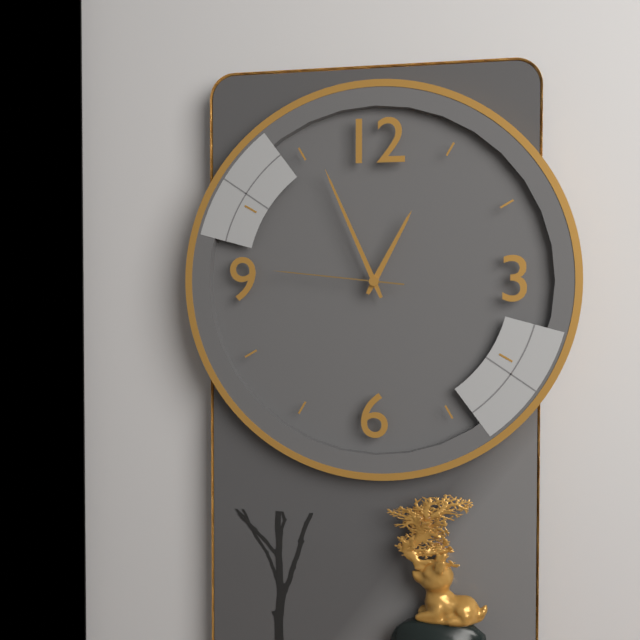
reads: 12,56,46
